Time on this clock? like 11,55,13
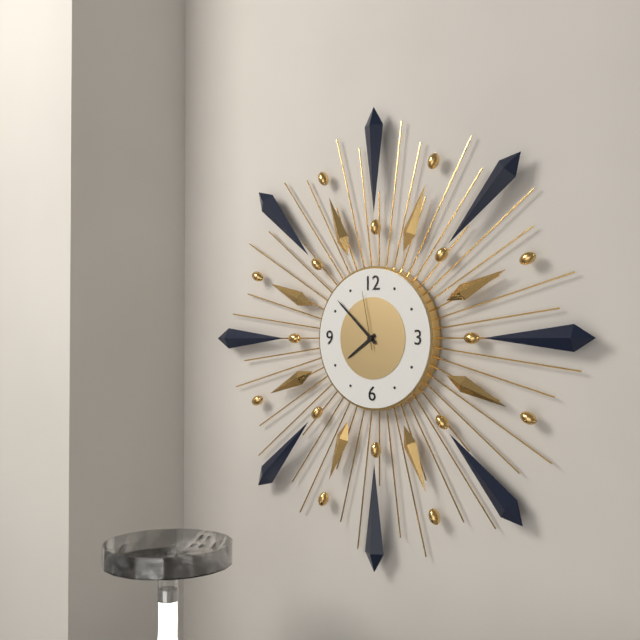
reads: 7,52,58
